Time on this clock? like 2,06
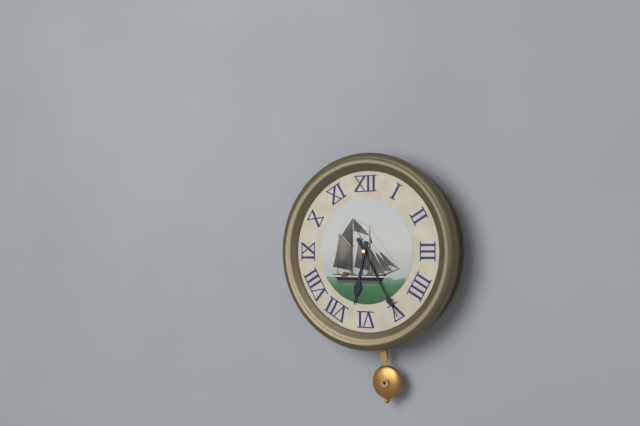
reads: 6,25
